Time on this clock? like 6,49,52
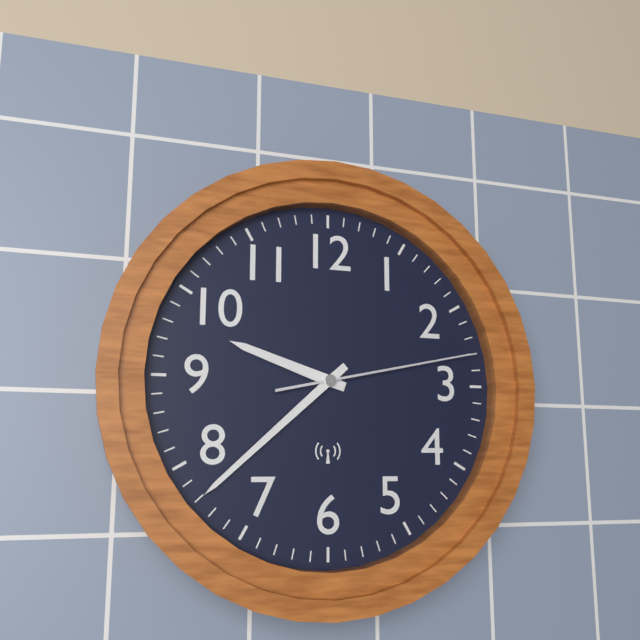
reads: 9,38,13
